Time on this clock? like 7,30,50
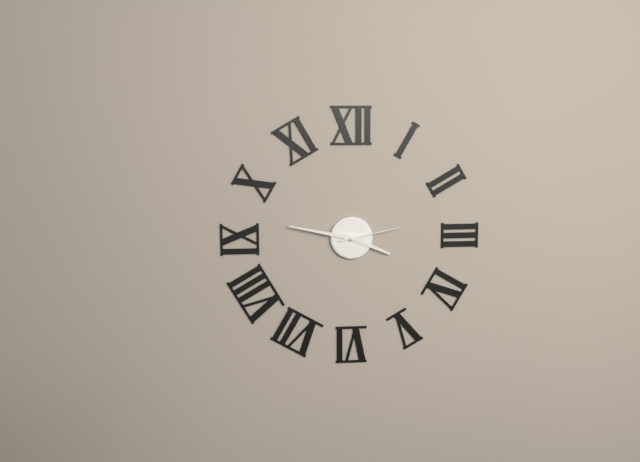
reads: 3,47,13
